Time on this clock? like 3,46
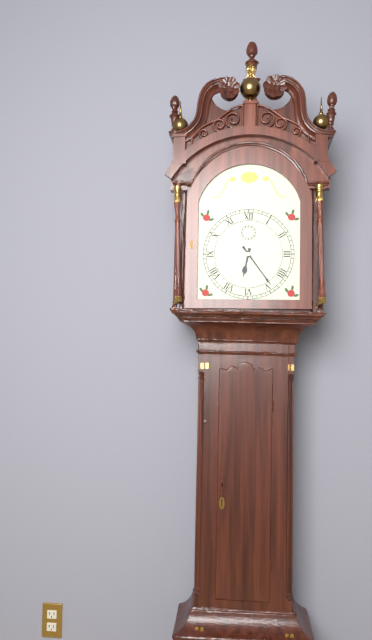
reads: 6,24
